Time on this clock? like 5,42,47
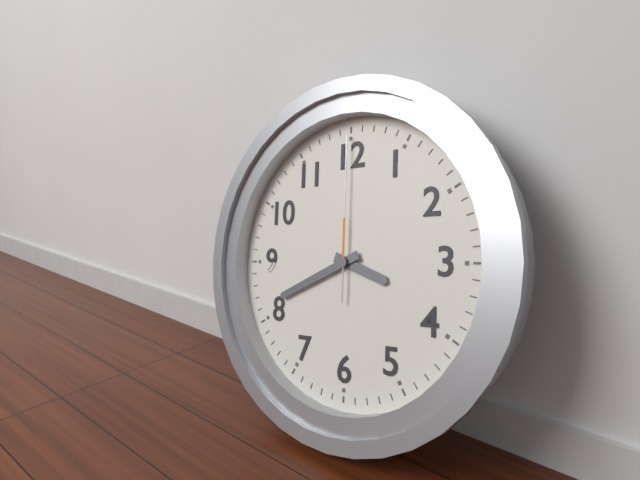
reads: 3,41,00
